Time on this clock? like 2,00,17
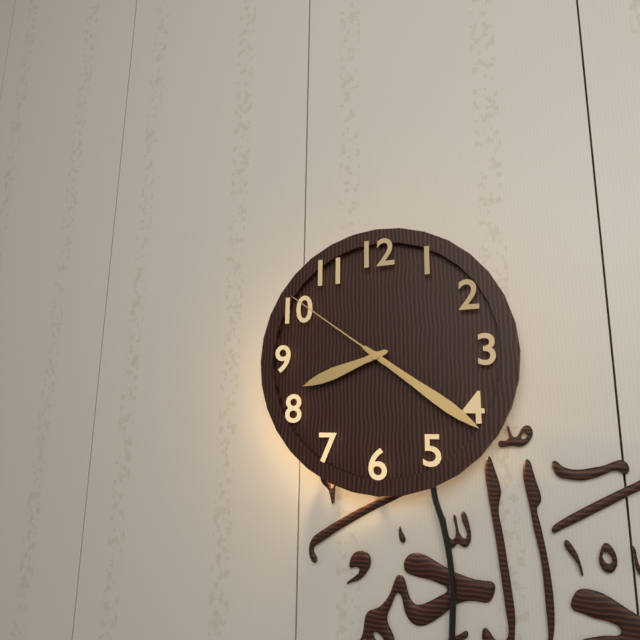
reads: 8,21,51
